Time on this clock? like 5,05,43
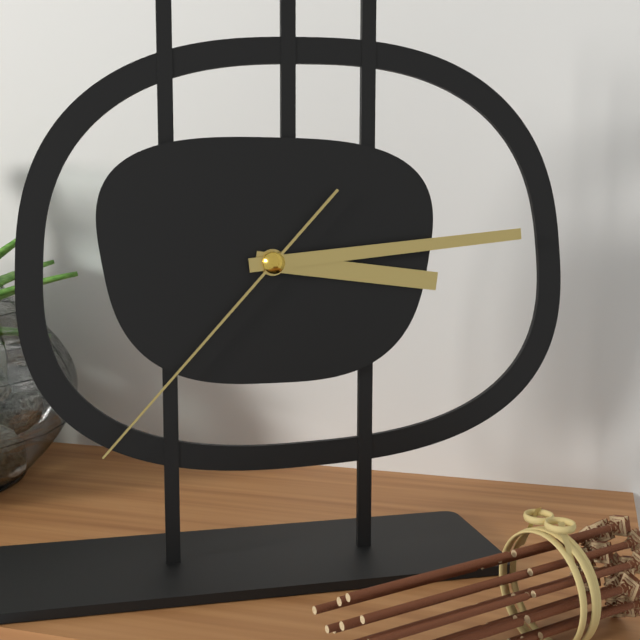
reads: 3,14,37
